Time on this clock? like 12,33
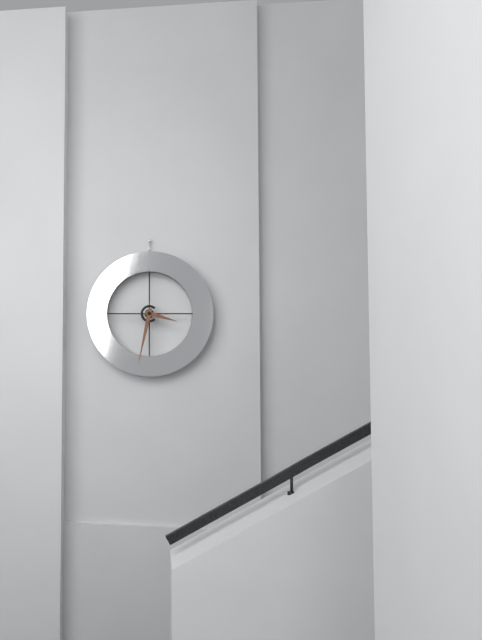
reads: 3,32
